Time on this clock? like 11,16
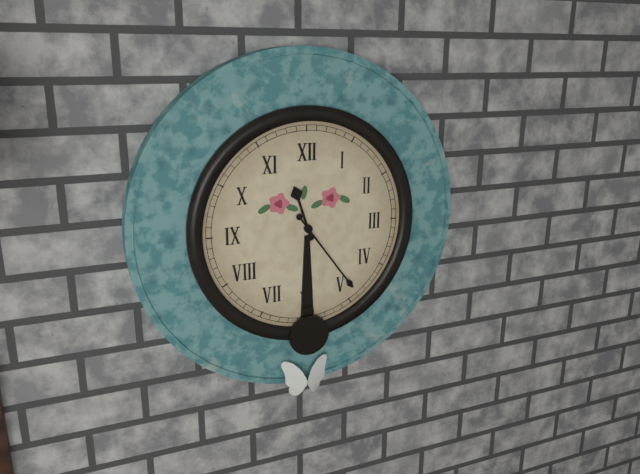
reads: 11,24
